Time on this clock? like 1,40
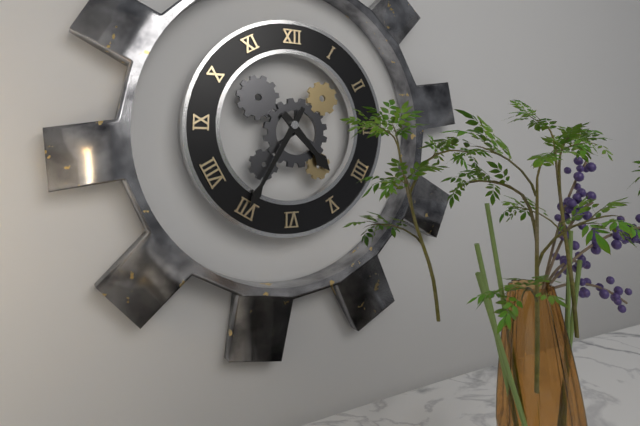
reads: 4,35
